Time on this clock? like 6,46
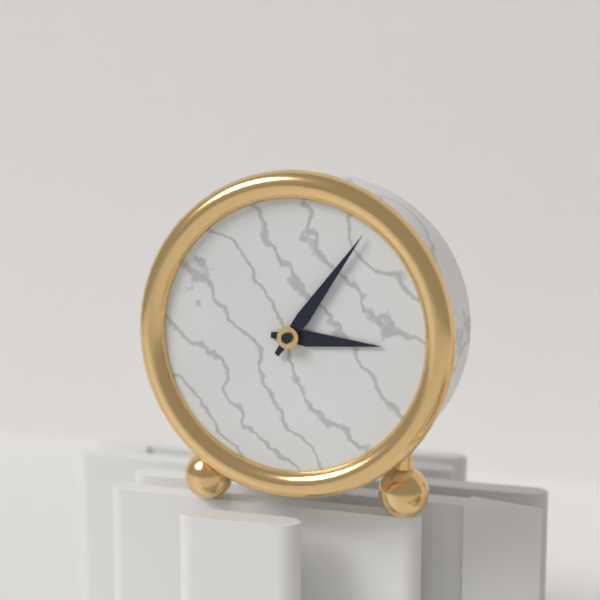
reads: 3,06
